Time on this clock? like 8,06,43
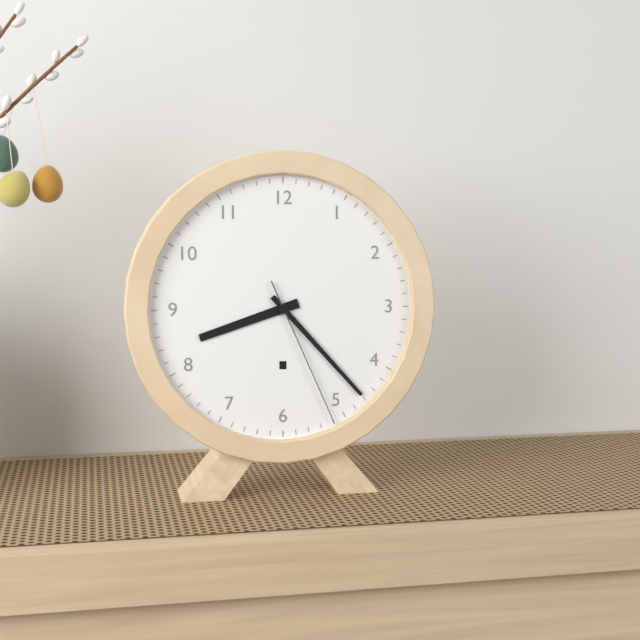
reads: 8,23,26
